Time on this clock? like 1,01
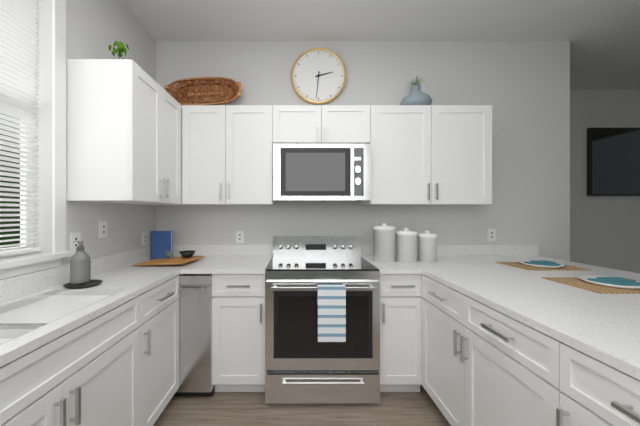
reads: 2,31
